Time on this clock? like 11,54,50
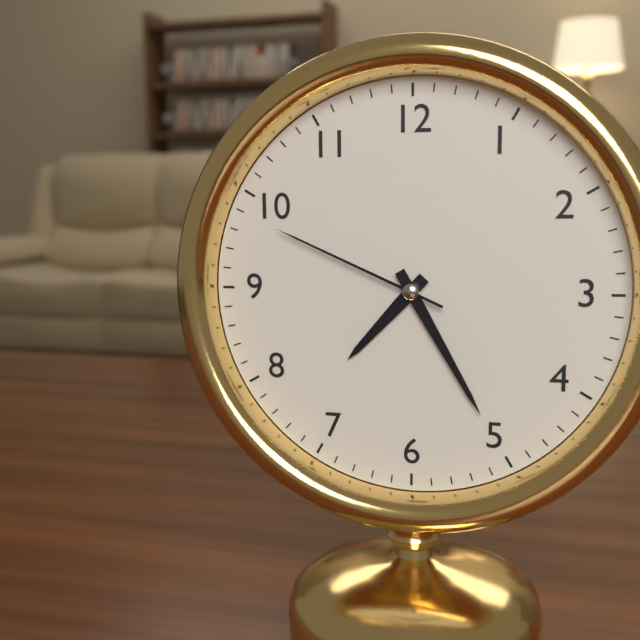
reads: 7,25,49
